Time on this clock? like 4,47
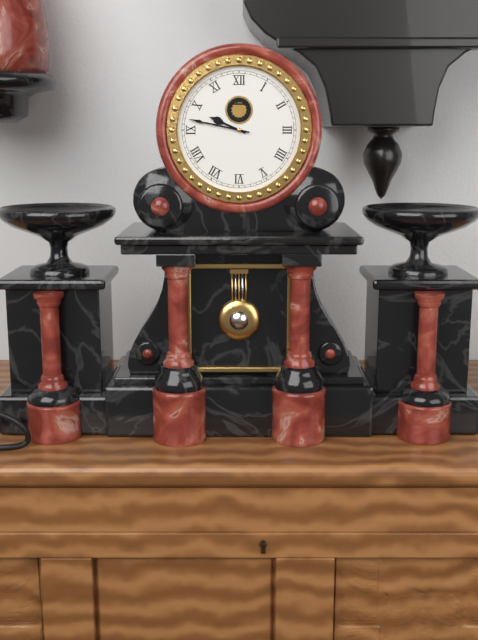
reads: 9,47
